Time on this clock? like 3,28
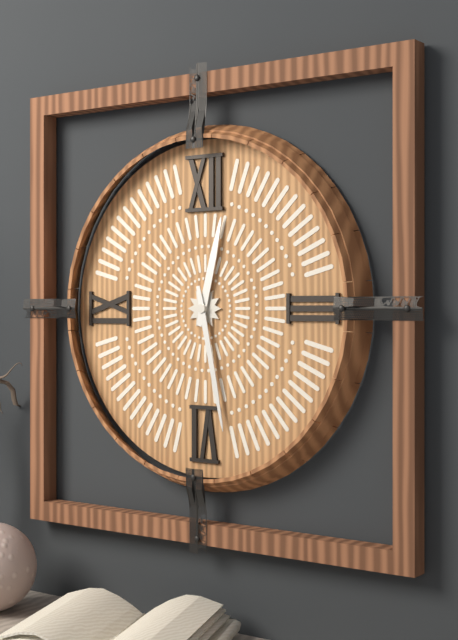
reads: 12,28
